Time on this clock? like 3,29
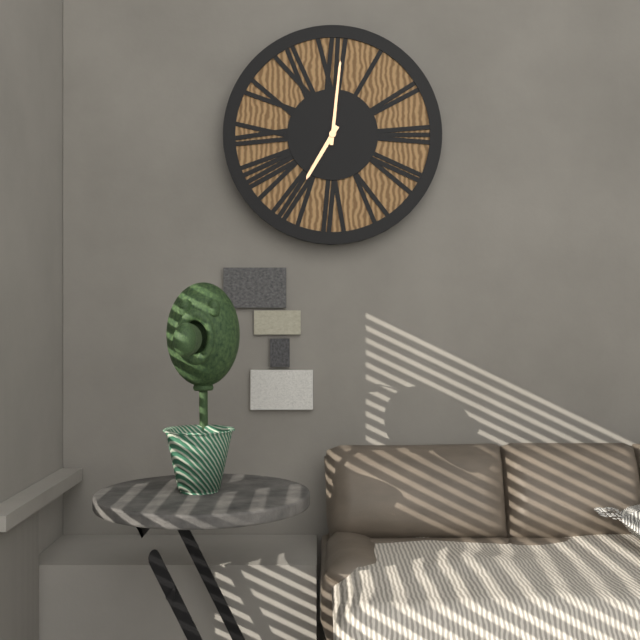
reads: 7,01
